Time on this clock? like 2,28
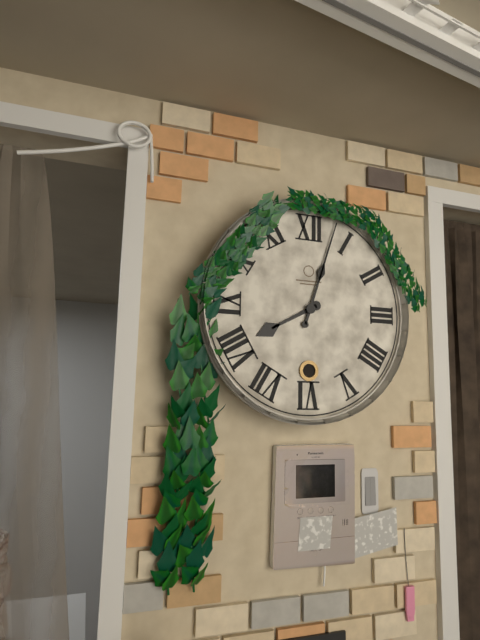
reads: 8,03
